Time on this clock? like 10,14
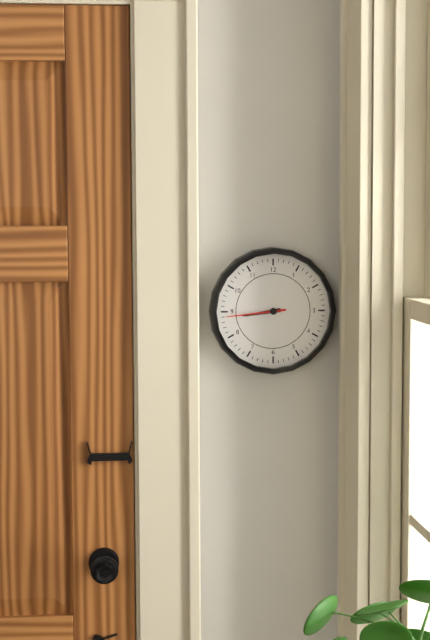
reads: 8,44
